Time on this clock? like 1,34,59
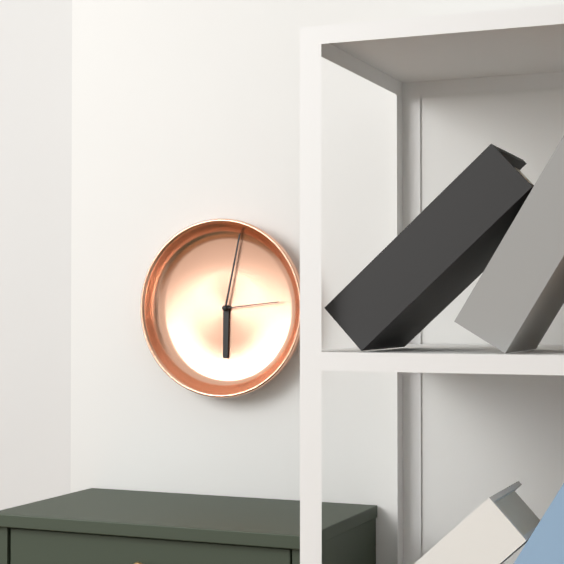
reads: 6,02,14
